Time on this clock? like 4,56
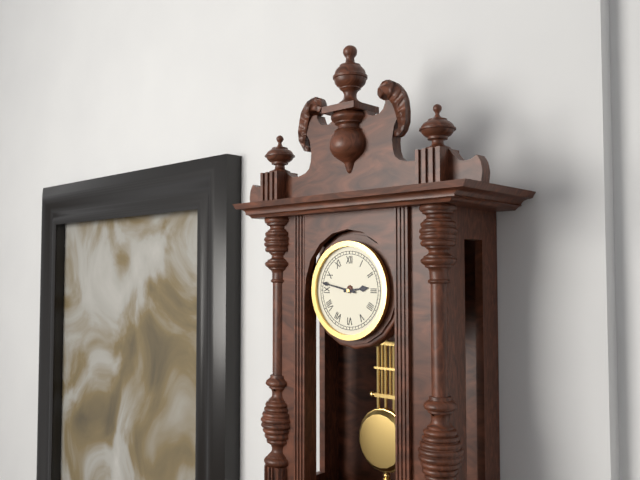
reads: 2,47
